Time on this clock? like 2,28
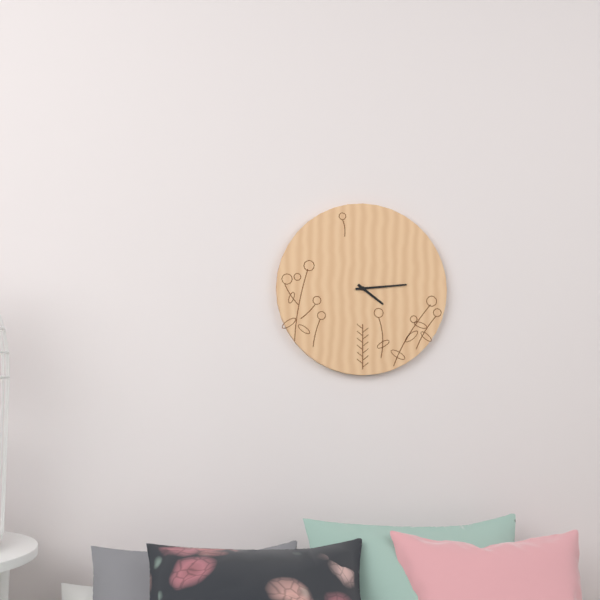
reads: 4,14
